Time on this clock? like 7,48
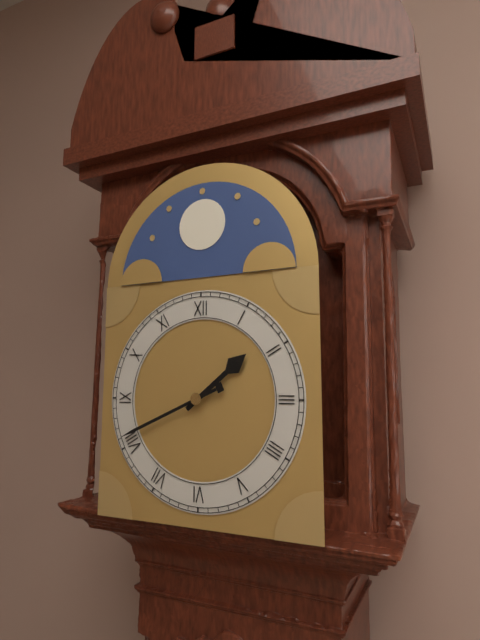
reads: 1,41
